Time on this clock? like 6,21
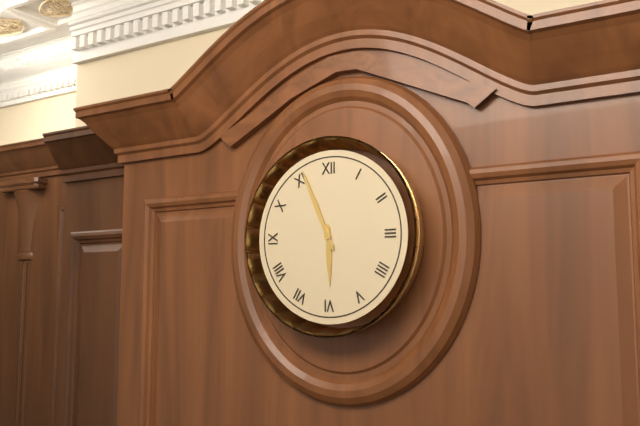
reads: 5,56
